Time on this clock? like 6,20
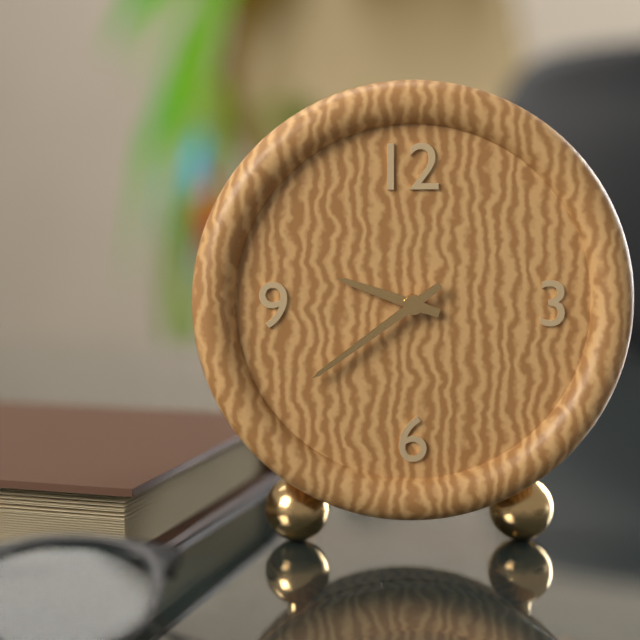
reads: 9,39
